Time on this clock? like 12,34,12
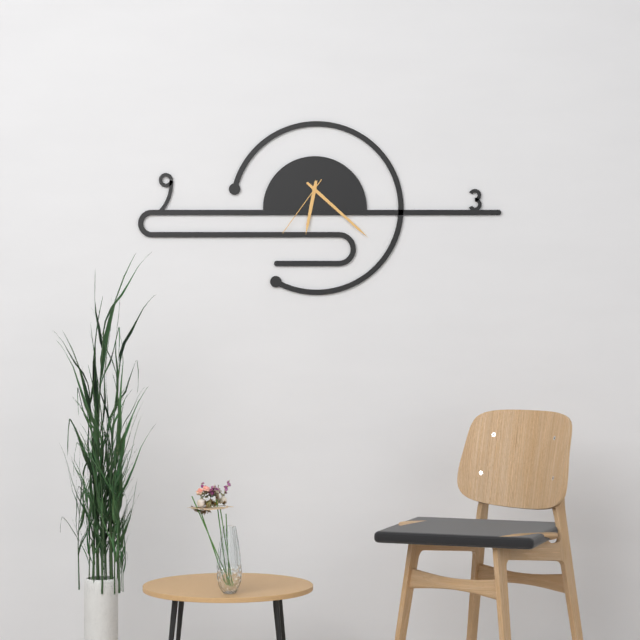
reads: 6,22,36
